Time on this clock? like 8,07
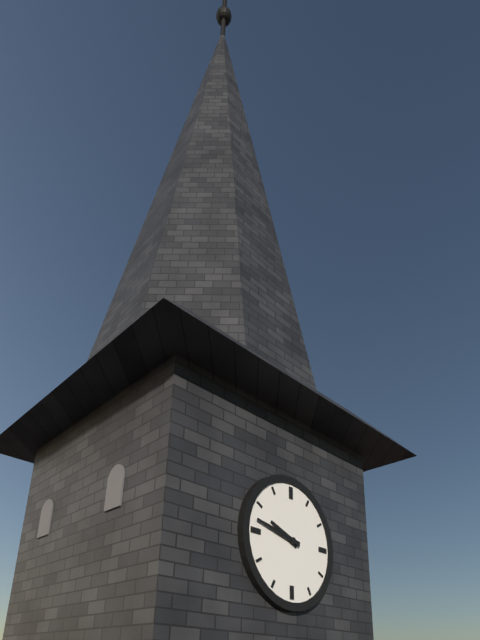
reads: 9,47
